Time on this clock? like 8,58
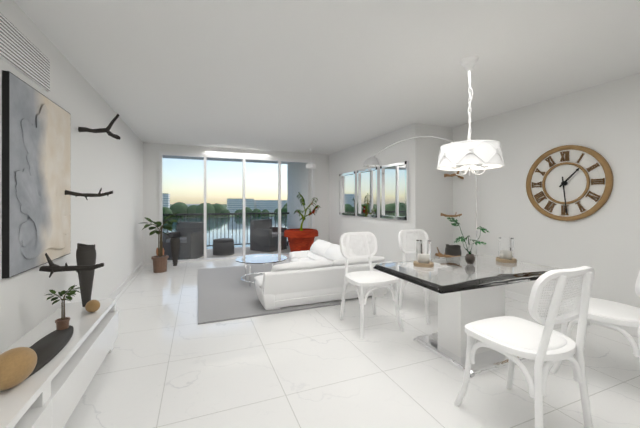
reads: 1,29
